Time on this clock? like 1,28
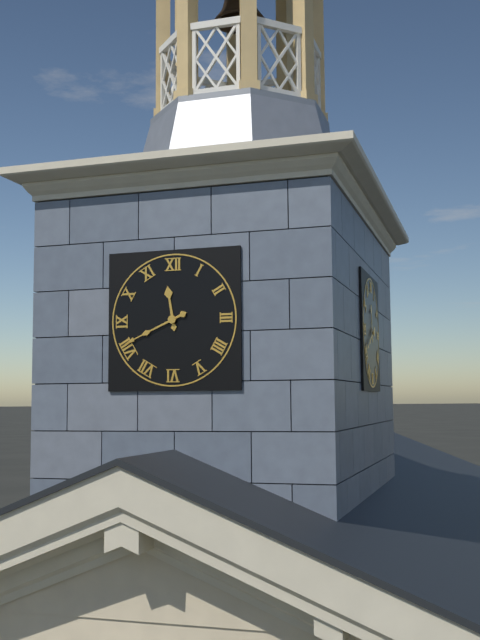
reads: 11,41
